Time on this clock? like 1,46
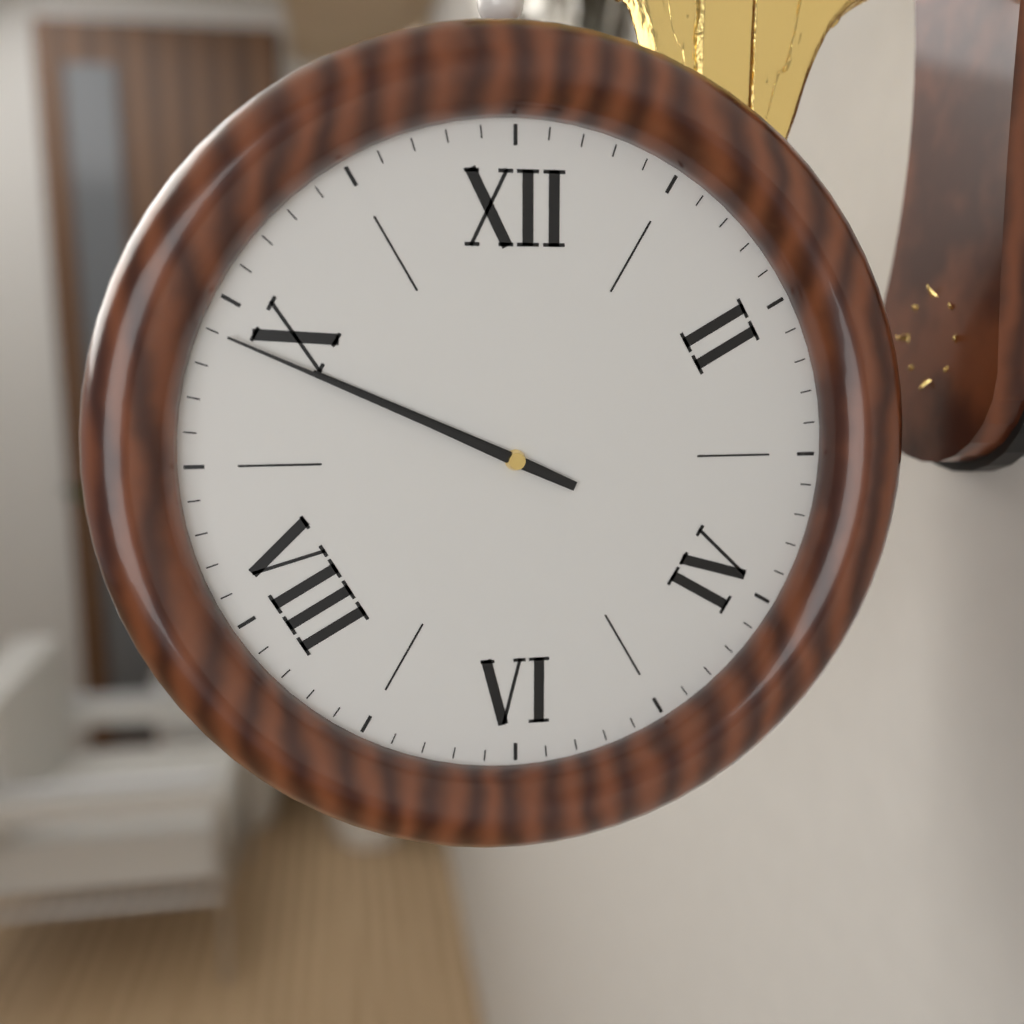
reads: 9,49
